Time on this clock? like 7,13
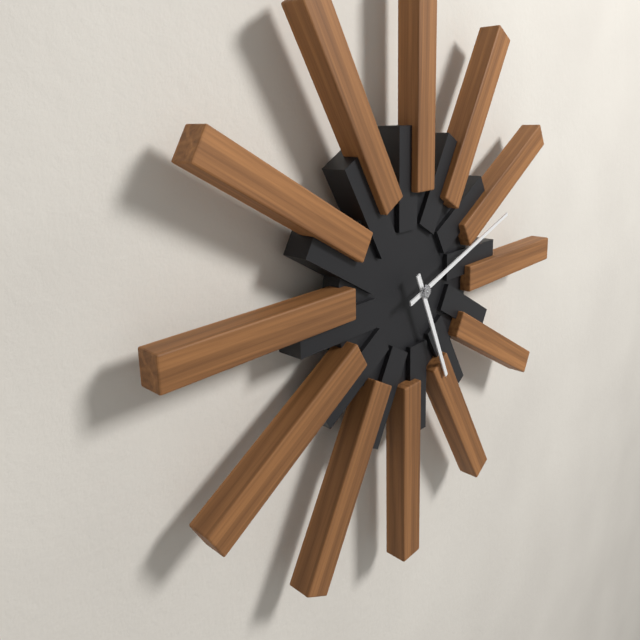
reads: 5,12
